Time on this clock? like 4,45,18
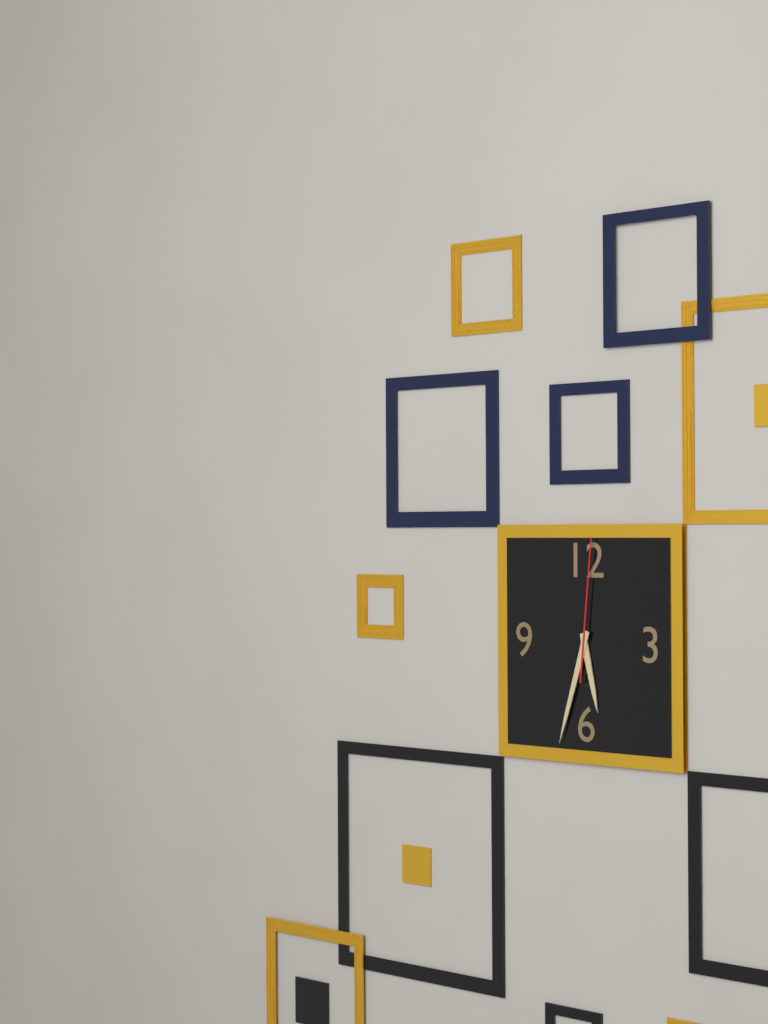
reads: 5,33,01
